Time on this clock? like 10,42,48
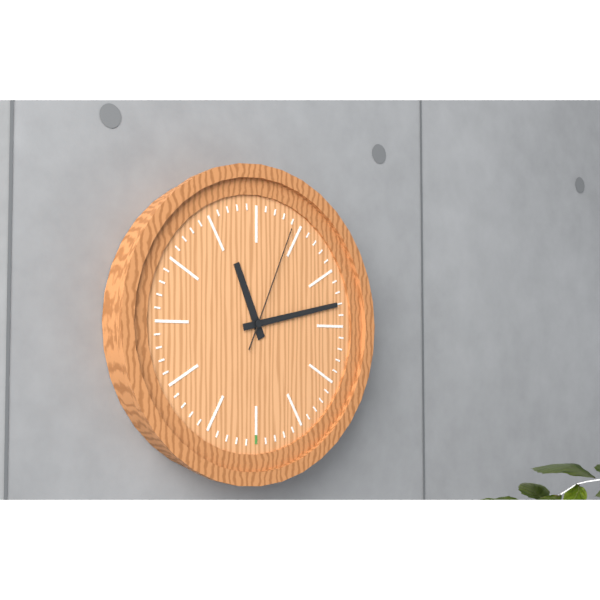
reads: 11,13,04
